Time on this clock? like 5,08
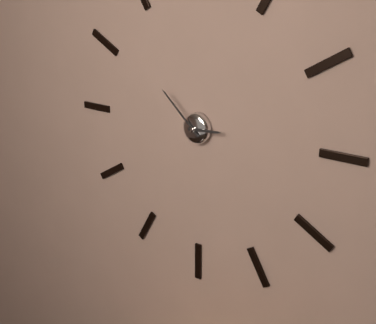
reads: 2,52
